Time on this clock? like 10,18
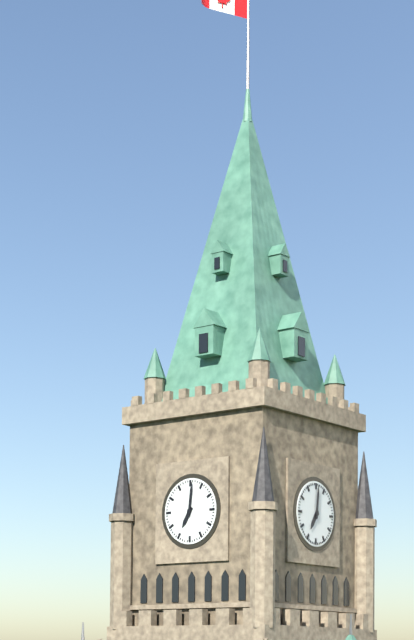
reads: 7,01
